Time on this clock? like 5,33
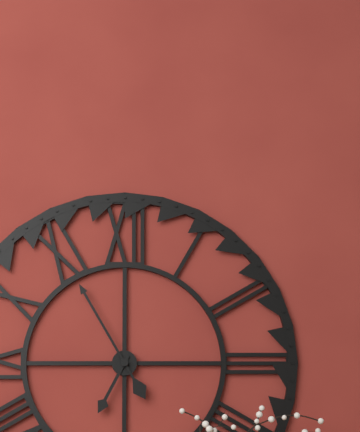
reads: 6,55
